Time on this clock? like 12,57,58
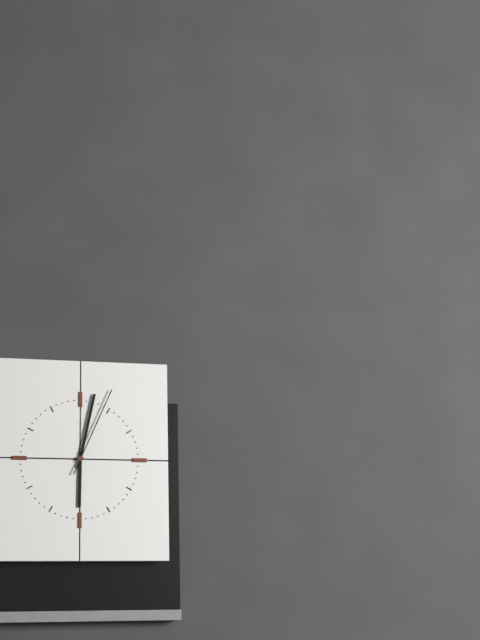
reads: 6,02,04
